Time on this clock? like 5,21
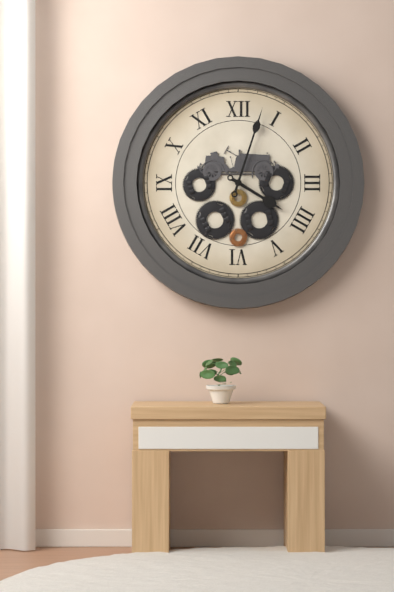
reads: 4,03
